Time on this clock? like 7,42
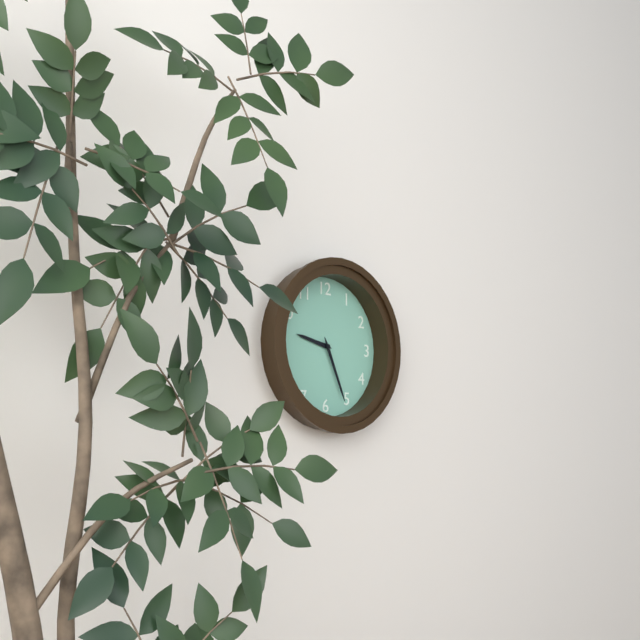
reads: 9,26
